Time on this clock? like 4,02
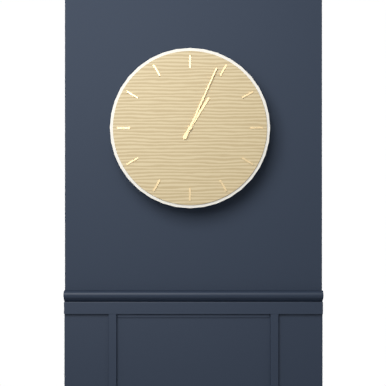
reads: 1,04
